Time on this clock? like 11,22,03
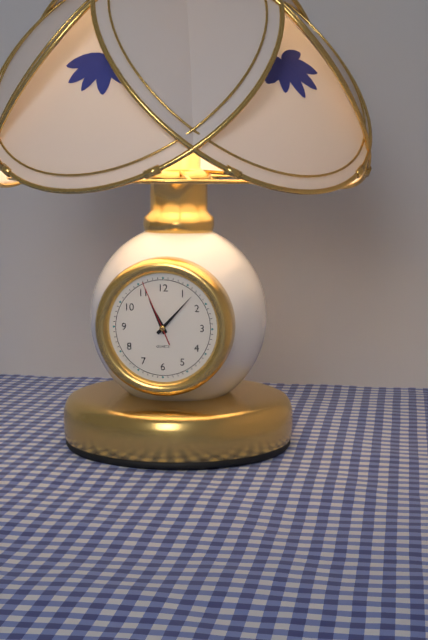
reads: 11,07,56
